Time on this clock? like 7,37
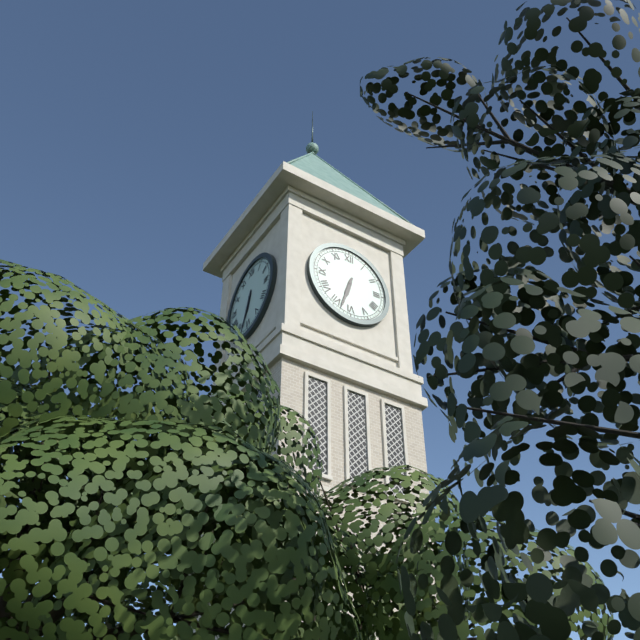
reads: 6,33
